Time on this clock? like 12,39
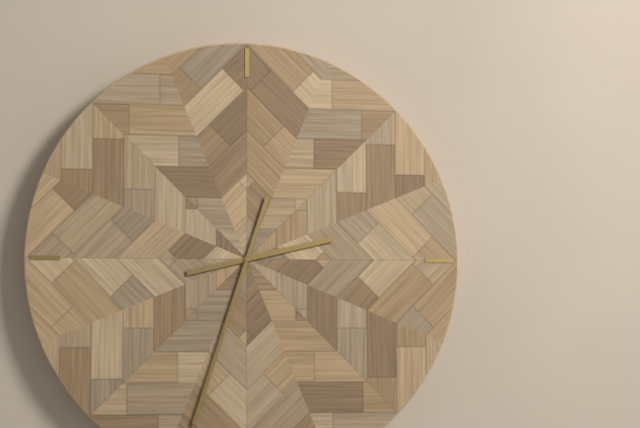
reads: 2,33
